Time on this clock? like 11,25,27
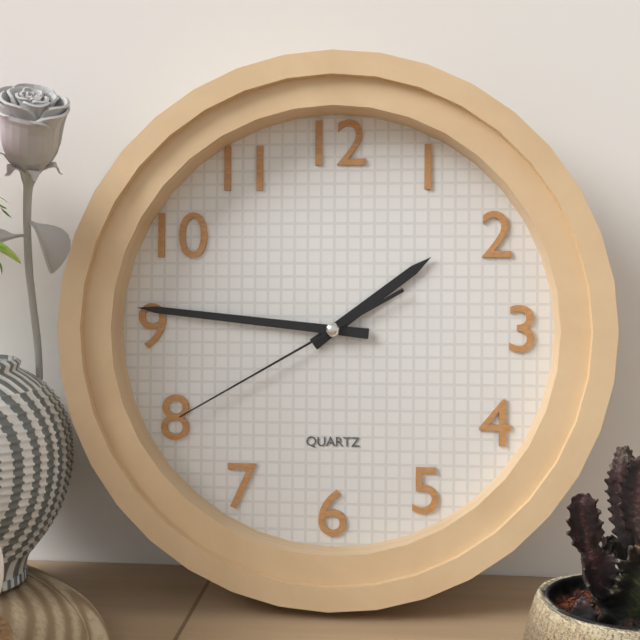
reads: 1,46,40
